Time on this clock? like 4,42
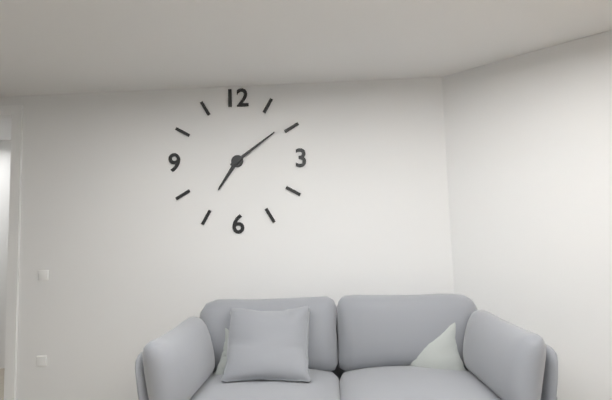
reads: 7,09
